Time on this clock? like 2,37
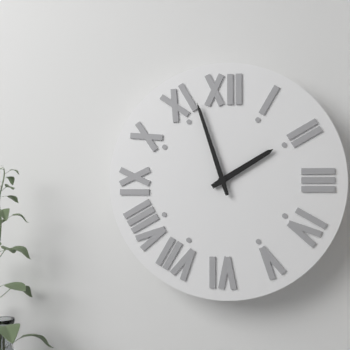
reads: 1,57
